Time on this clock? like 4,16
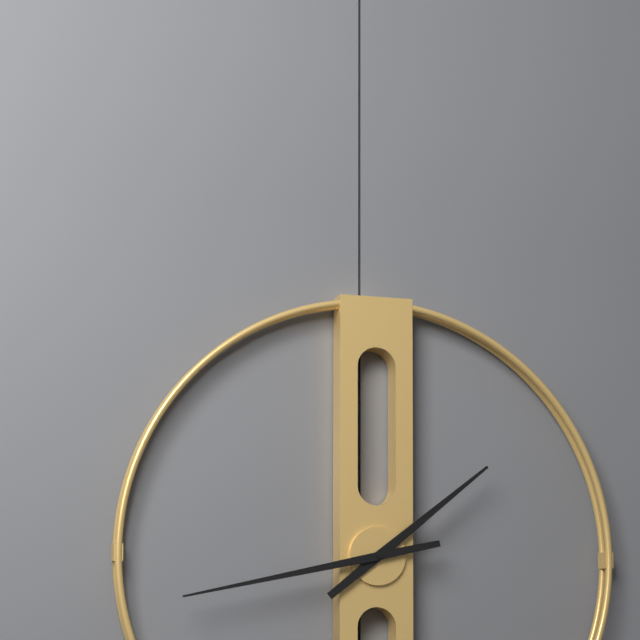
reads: 1,43
